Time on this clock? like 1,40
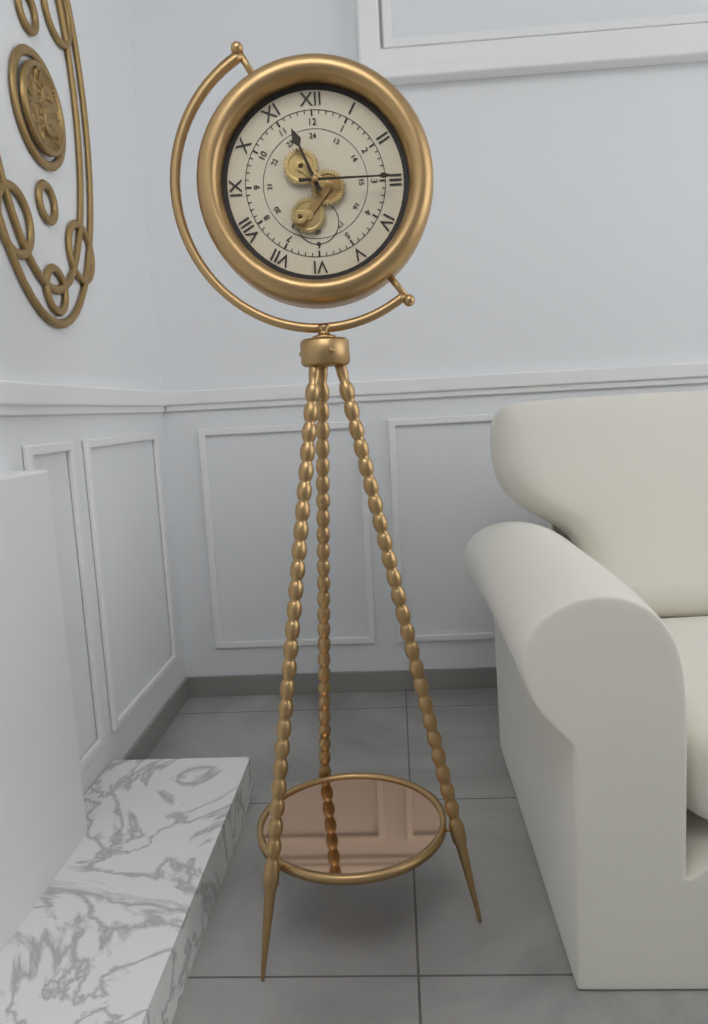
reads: 11,15
